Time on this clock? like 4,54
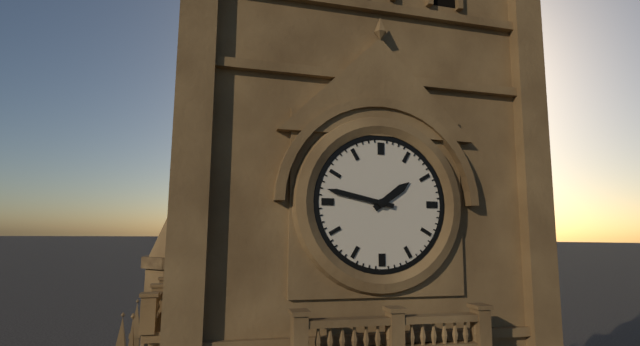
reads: 1,47
